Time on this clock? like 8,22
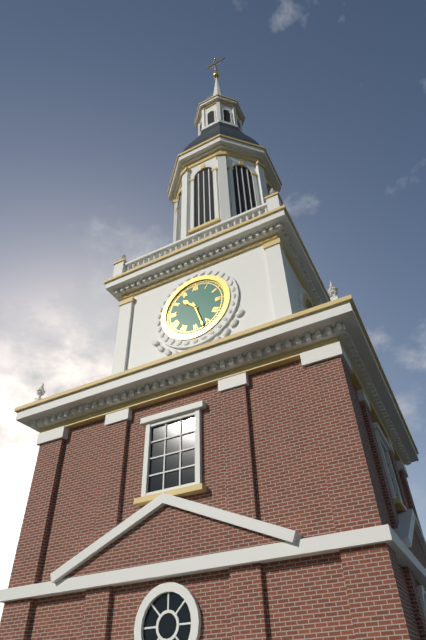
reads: 10,27
